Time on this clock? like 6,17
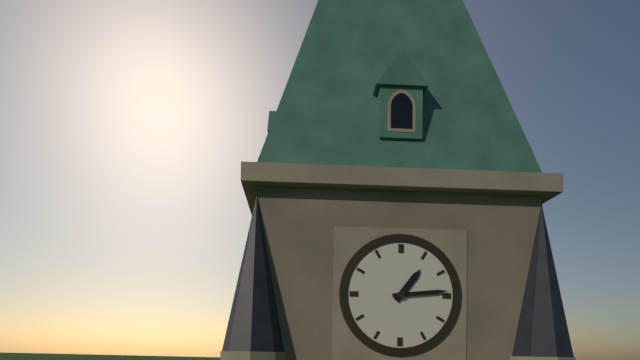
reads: 1,14
